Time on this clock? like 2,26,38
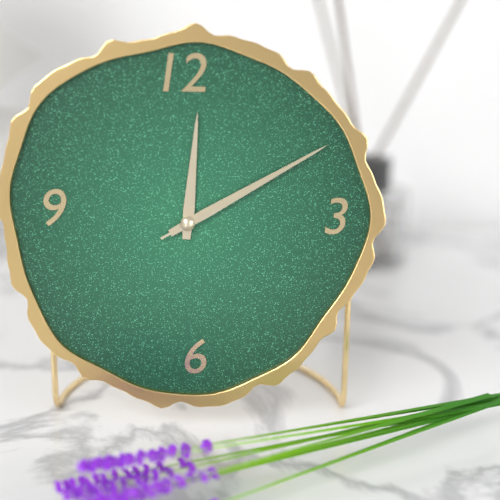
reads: 12,10,10
